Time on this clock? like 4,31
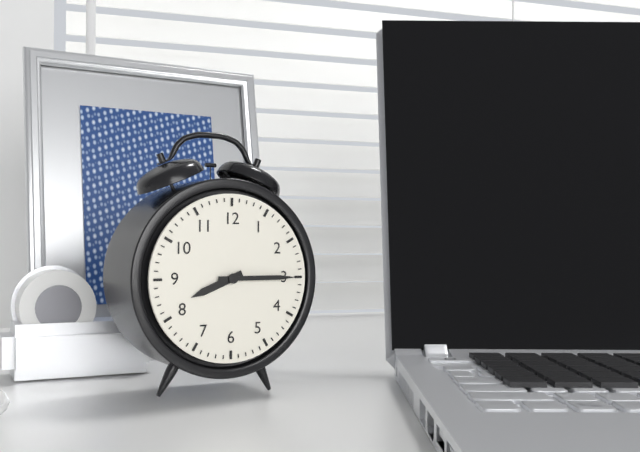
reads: 8,15
